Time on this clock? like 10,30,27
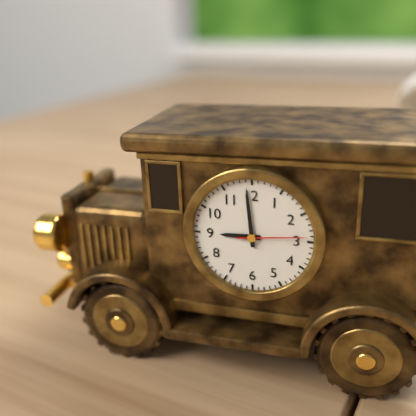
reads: 8,59,14
